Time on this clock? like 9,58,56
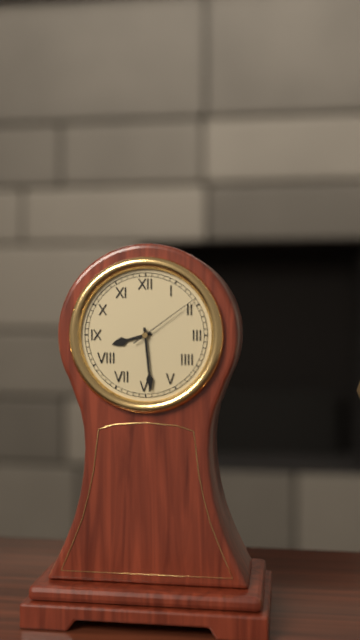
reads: 8,29,09
